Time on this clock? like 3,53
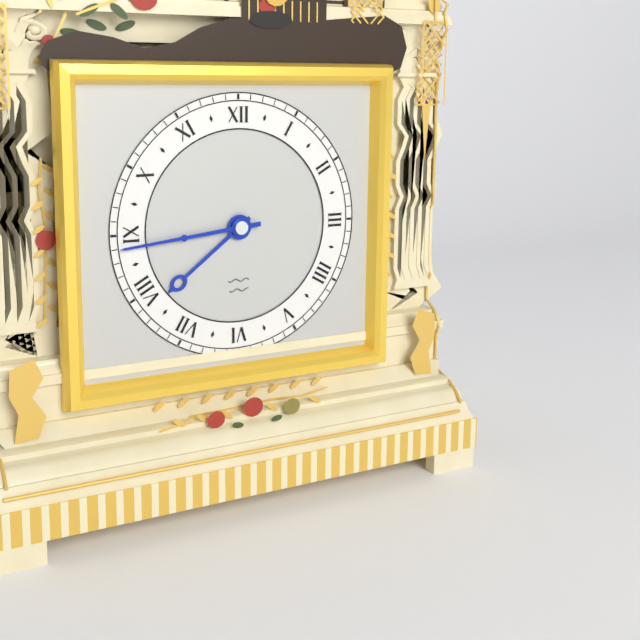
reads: 7,44
